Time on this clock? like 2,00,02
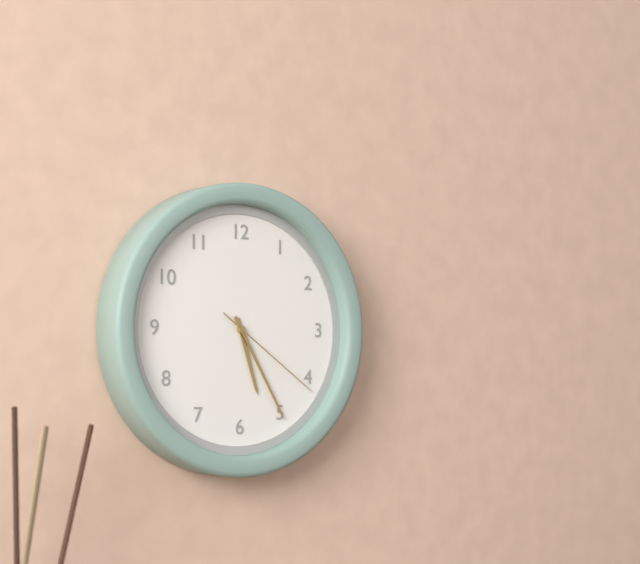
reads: 5,25,21
